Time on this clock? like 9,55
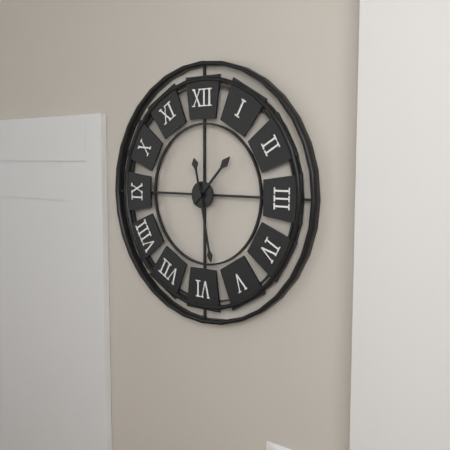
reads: 1,28
